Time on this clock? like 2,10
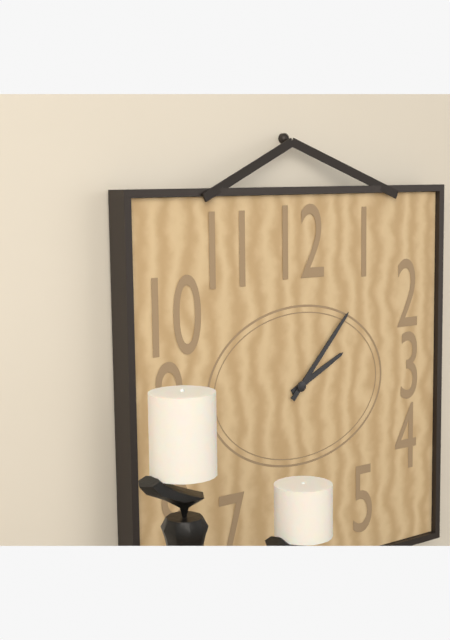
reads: 2,07
